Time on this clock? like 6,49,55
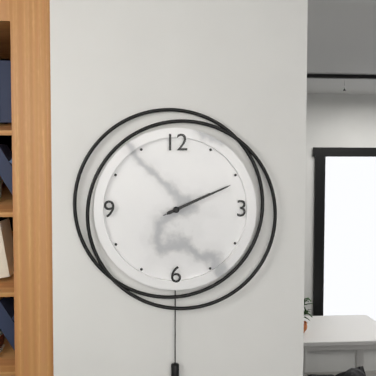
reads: 2,11,11
